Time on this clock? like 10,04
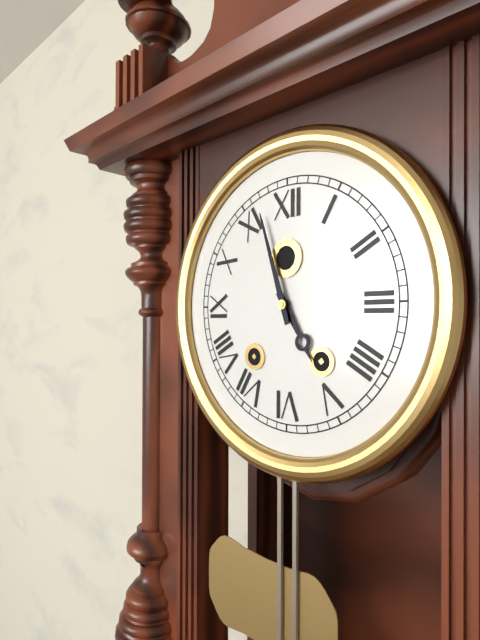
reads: 4,57
